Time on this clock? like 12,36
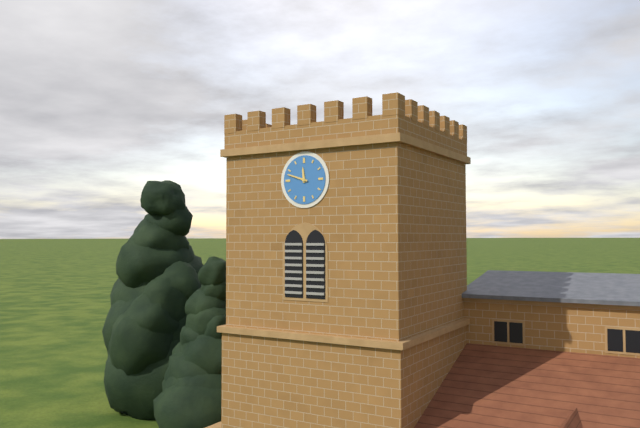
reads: 11,48
